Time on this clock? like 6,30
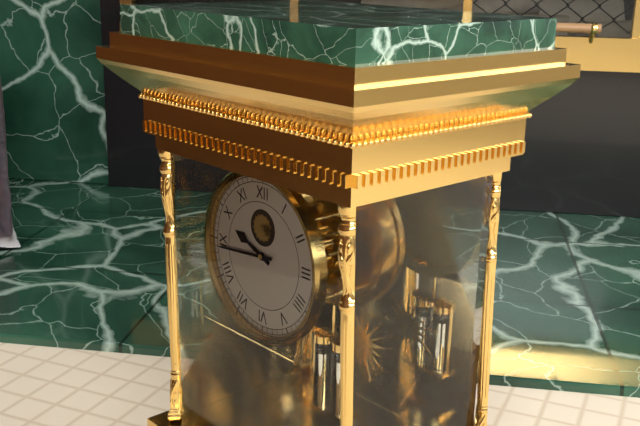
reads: 9,44
